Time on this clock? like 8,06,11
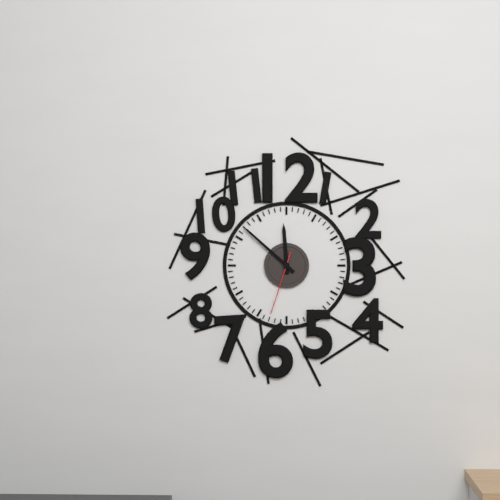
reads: 11,52,33
